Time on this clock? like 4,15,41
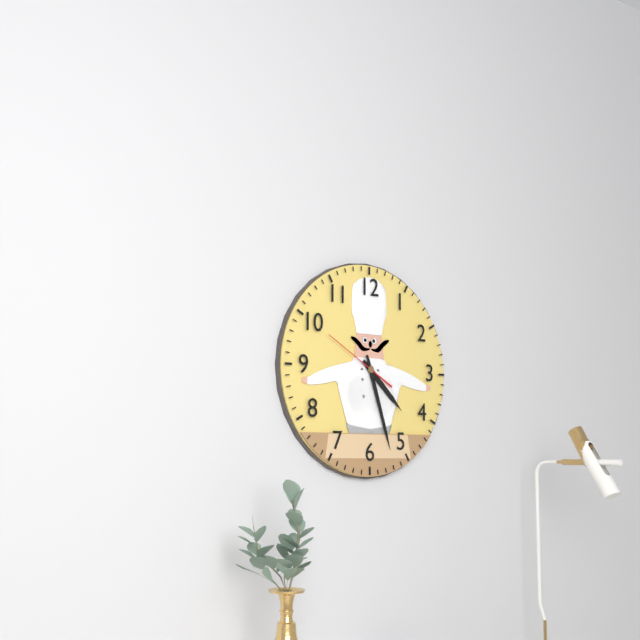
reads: 4,27,50
